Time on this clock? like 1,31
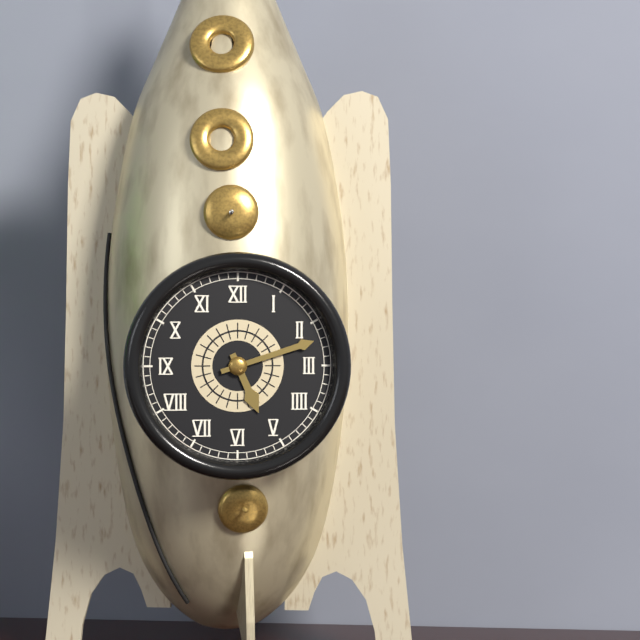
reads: 5,12
